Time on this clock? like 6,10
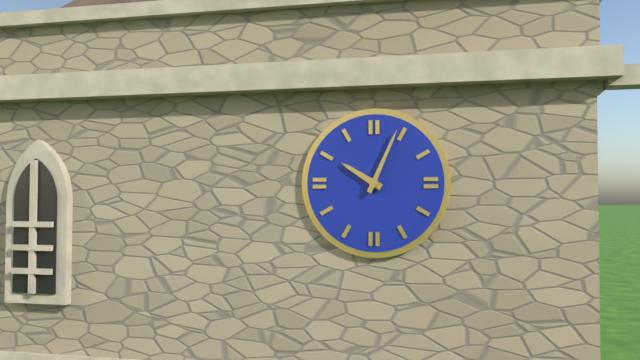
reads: 10,04
